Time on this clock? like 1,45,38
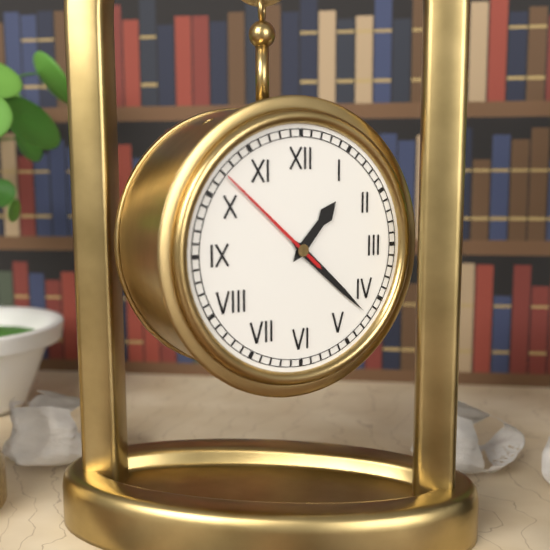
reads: 1,22,52
